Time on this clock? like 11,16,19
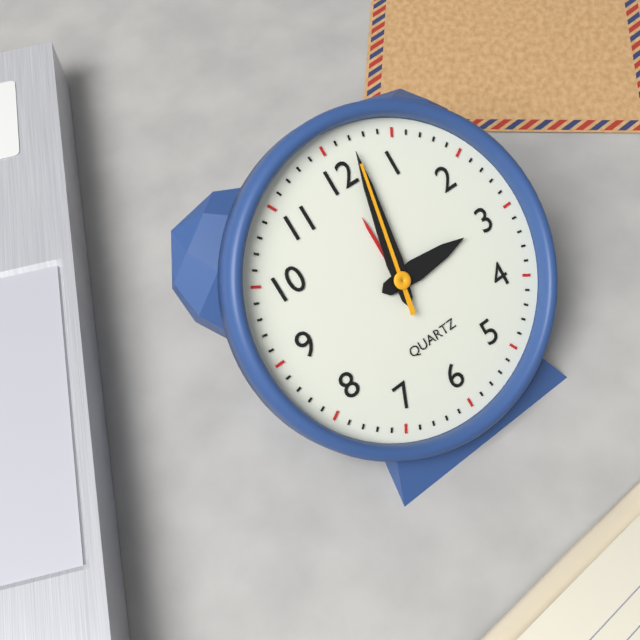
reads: 3,02,02
